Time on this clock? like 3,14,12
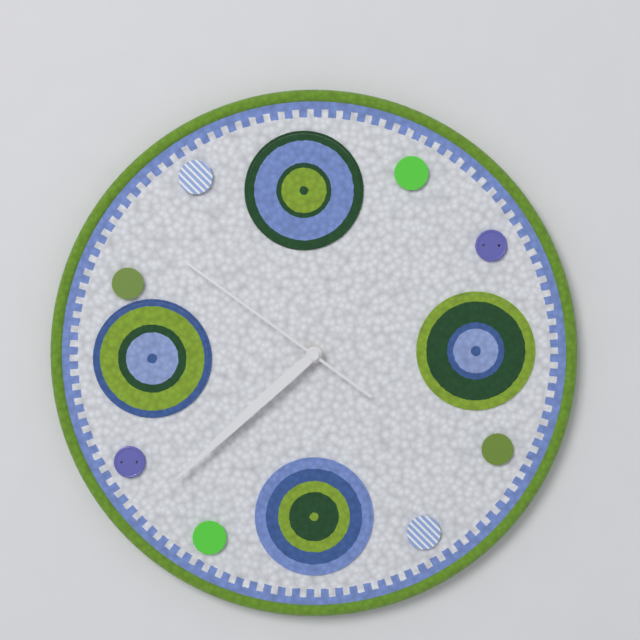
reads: 7,38,51
